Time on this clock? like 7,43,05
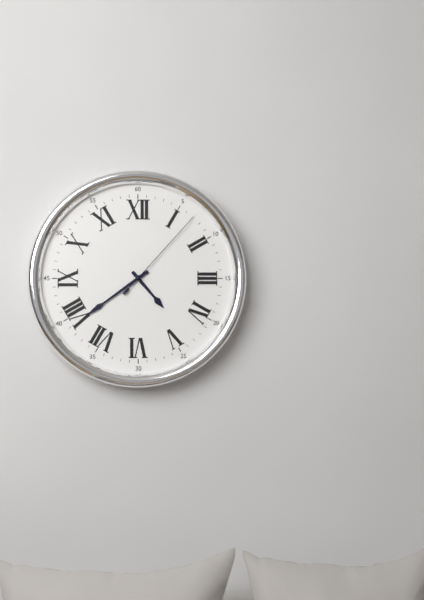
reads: 4,39,07
